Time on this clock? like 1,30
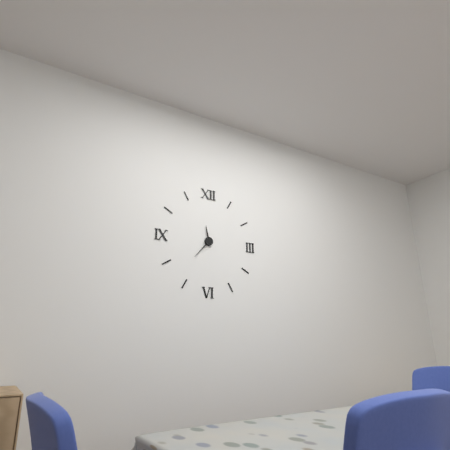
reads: 11,37
